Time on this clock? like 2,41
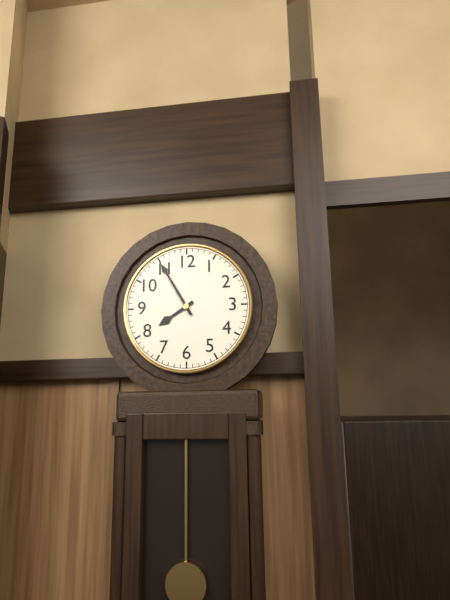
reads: 7,55
